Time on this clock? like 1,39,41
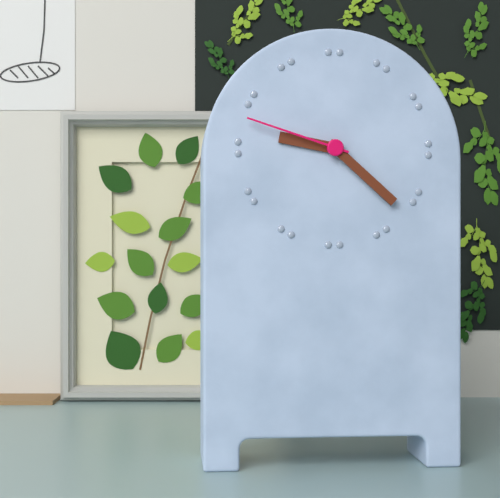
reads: 9,22,48
